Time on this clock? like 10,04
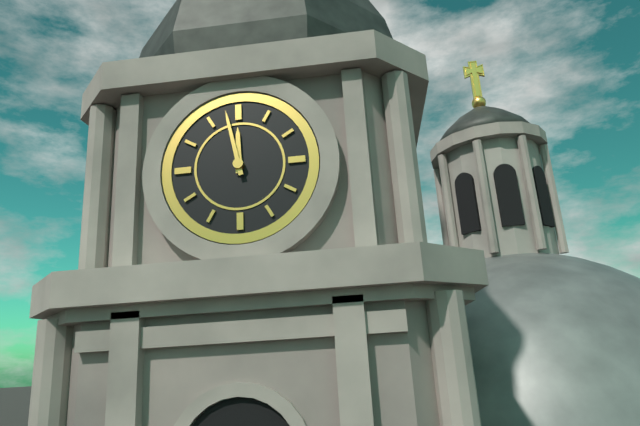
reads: 11,58
